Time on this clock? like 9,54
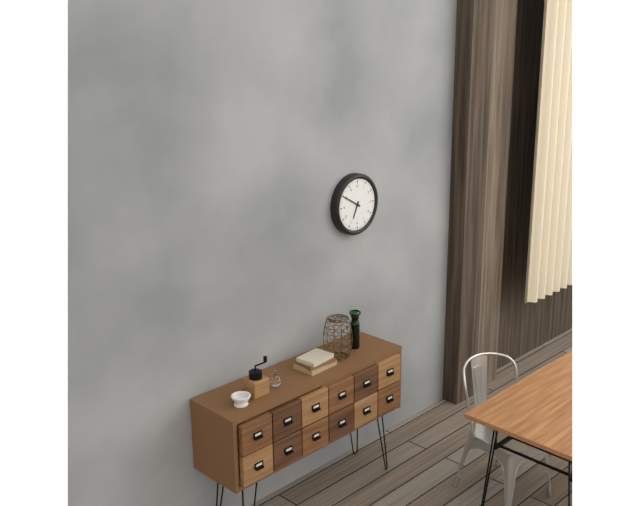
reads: 6,50
